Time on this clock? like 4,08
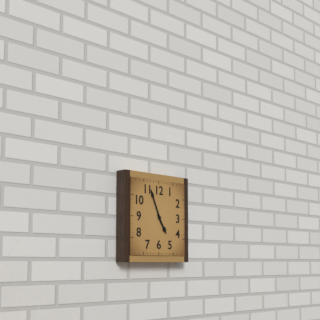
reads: 4,56
